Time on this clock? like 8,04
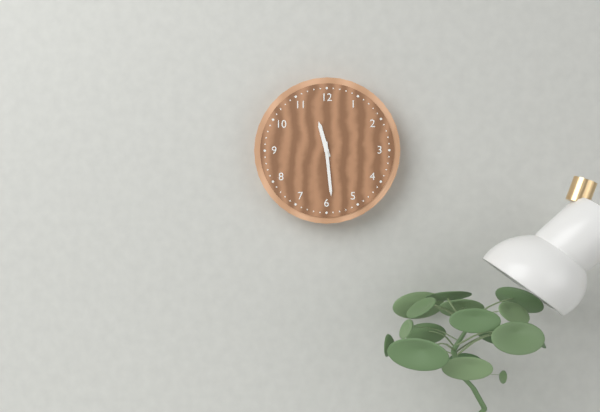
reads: 11,29
